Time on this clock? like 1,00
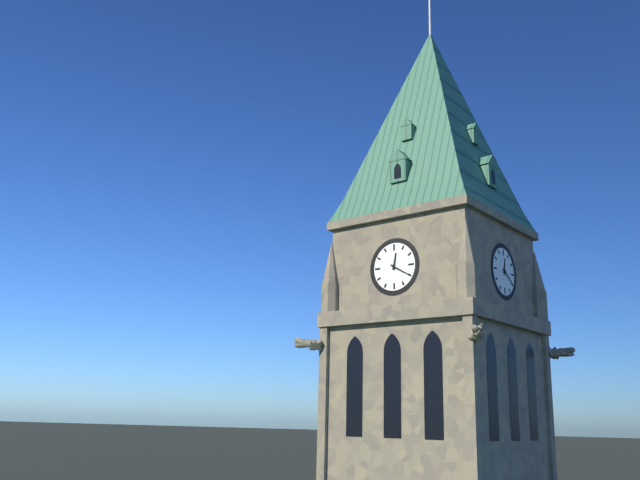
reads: 12,20
